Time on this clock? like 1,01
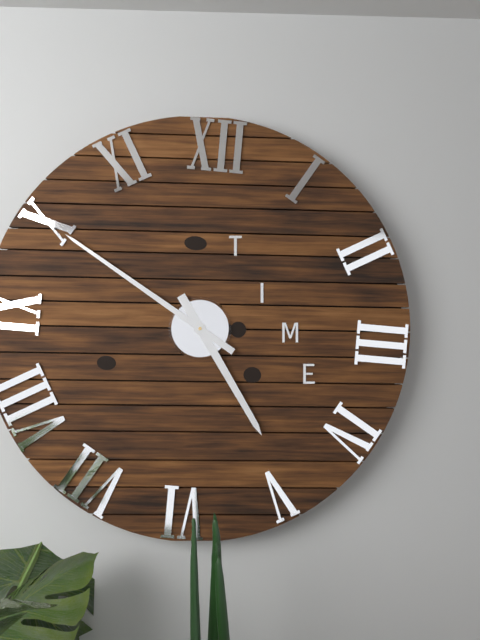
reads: 4,50
